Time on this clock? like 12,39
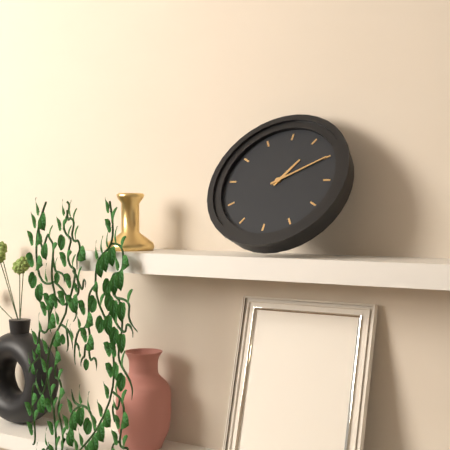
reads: 1,10
